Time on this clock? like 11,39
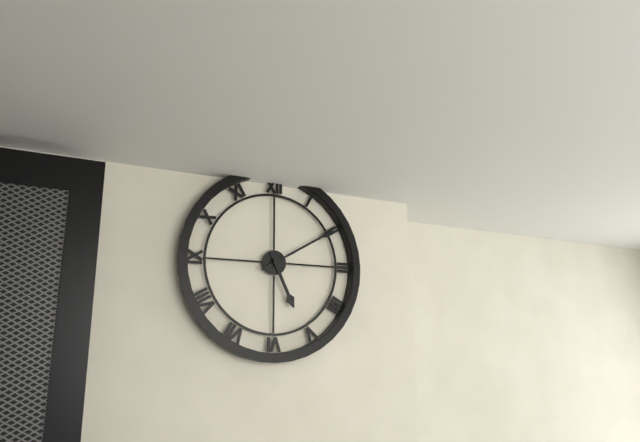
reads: 5,10
